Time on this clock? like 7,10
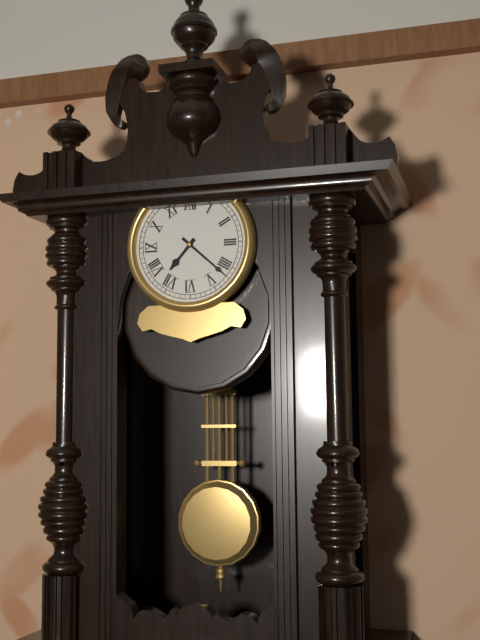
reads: 7,22
